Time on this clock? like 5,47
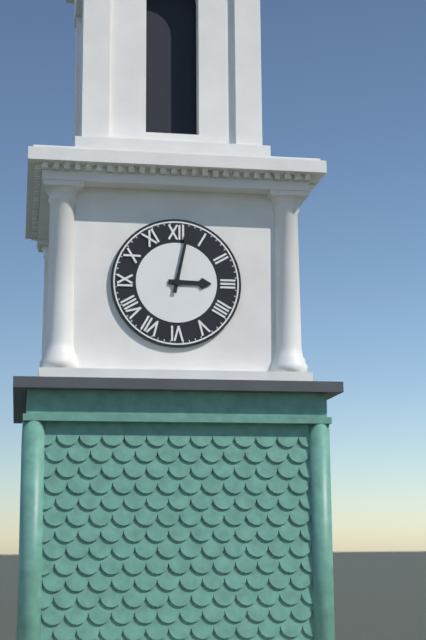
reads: 3,02
